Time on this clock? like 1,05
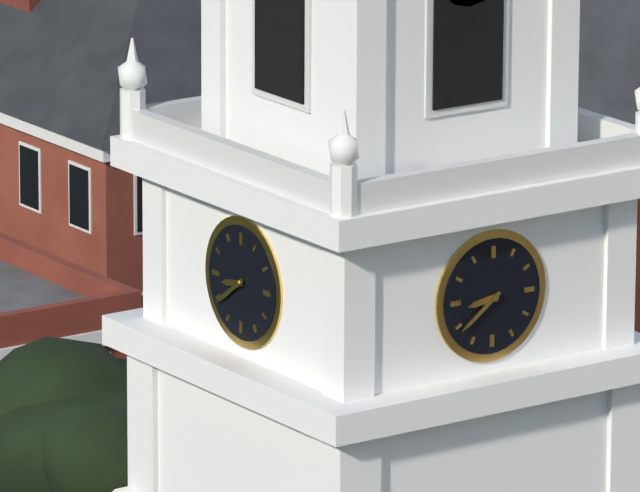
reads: 8,39
